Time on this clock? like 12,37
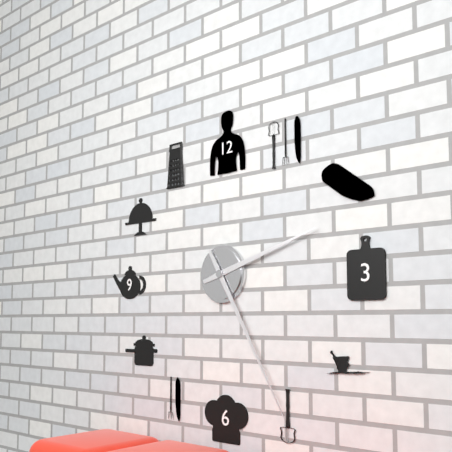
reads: 2,25
